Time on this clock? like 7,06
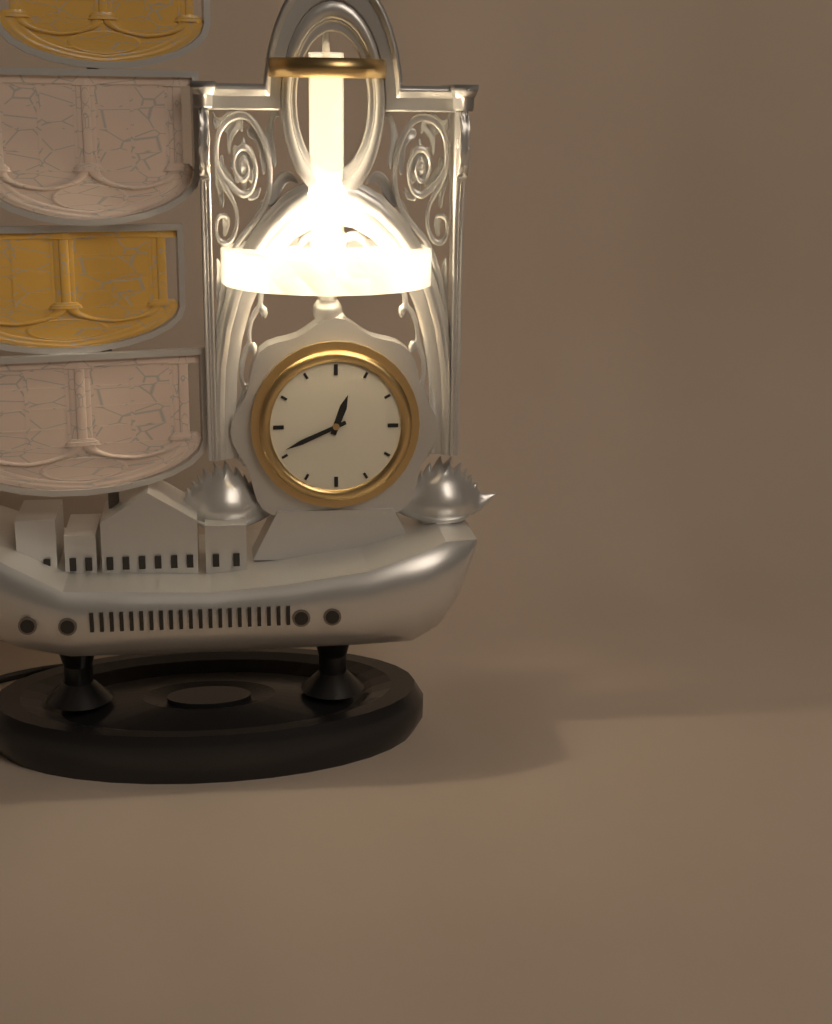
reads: 12,41
